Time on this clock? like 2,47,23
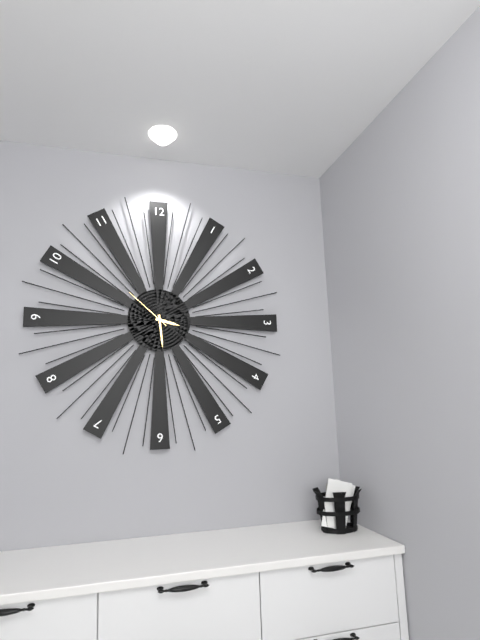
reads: 3,29,52
